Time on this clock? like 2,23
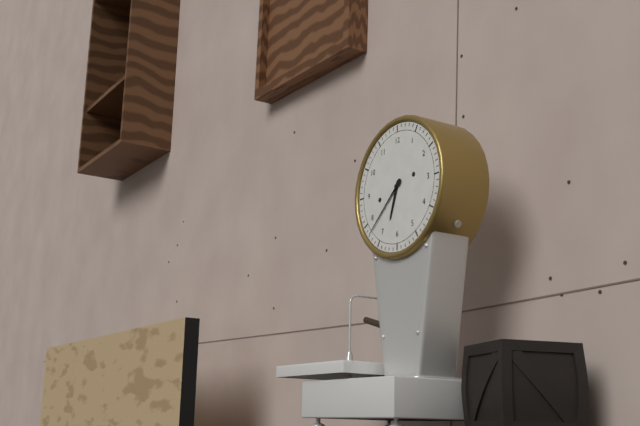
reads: 6,38
